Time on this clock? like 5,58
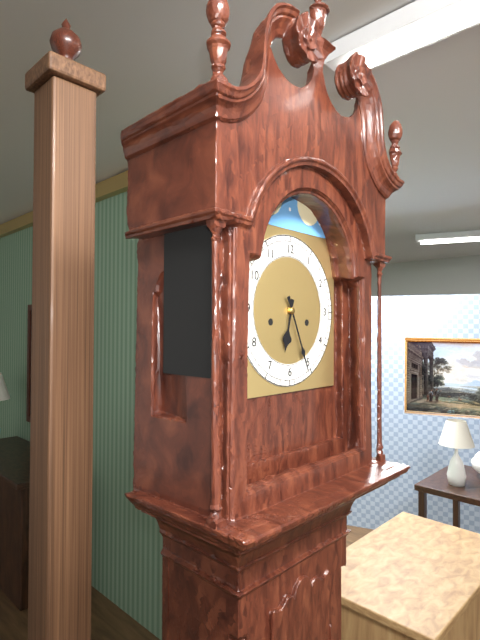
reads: 6,26
